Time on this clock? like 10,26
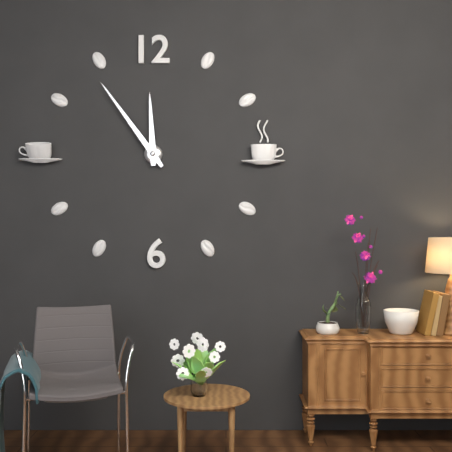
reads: 11,54
